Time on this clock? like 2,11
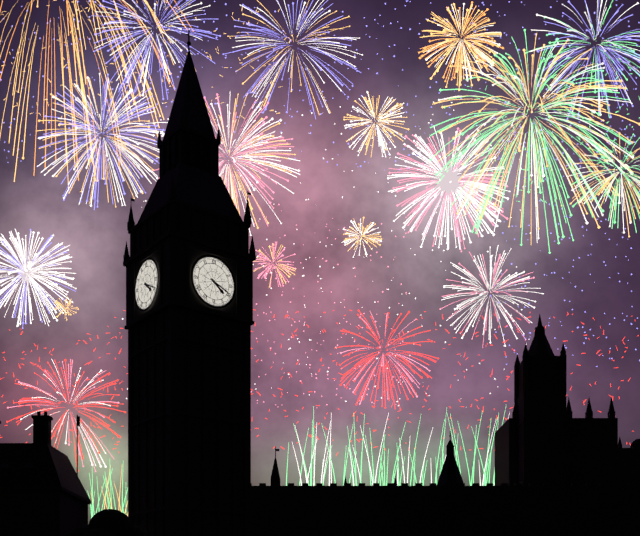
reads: 4,19
